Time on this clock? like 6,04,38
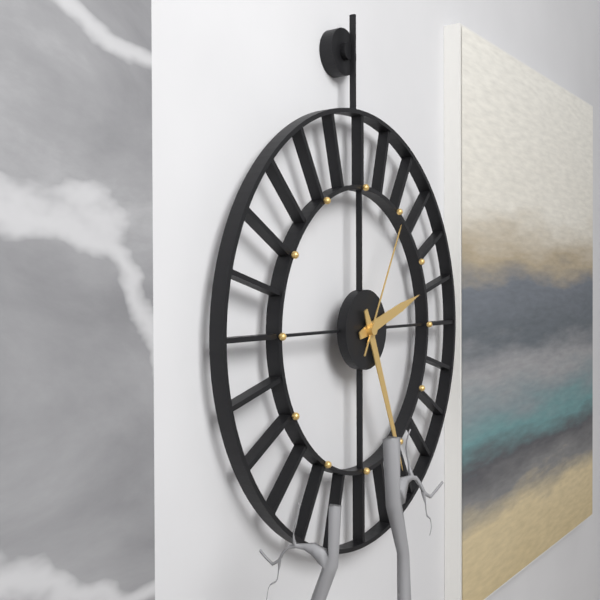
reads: 2,26,05
